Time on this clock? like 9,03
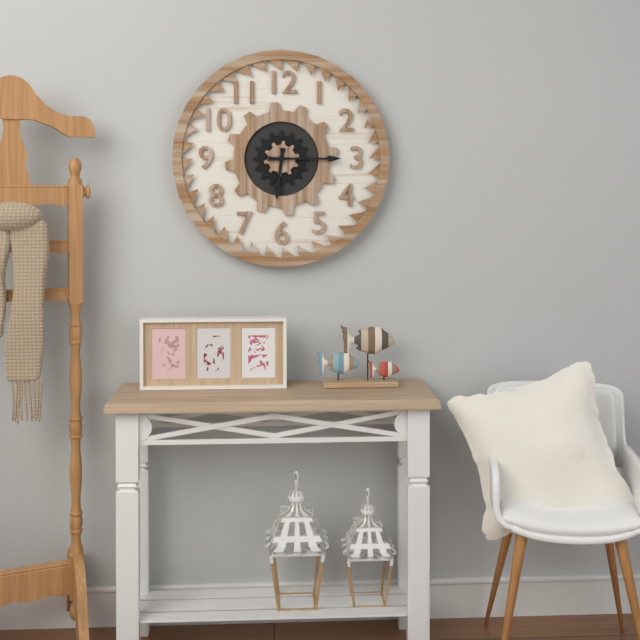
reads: 6,15
